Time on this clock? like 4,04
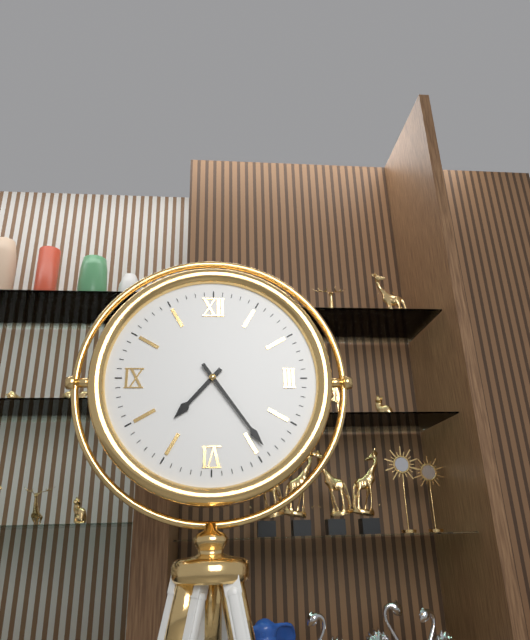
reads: 7,24
